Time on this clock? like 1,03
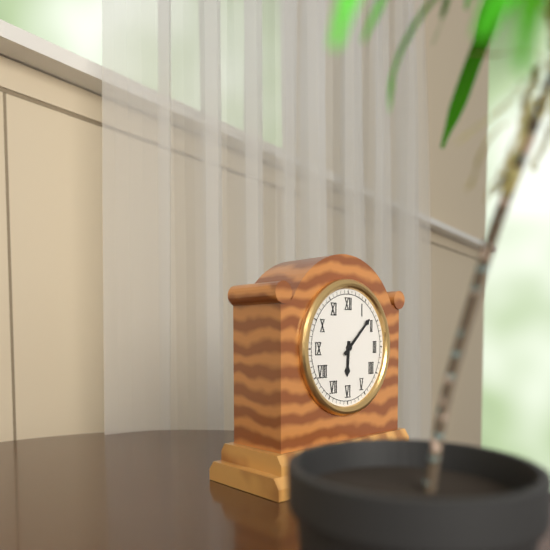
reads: 6,08
